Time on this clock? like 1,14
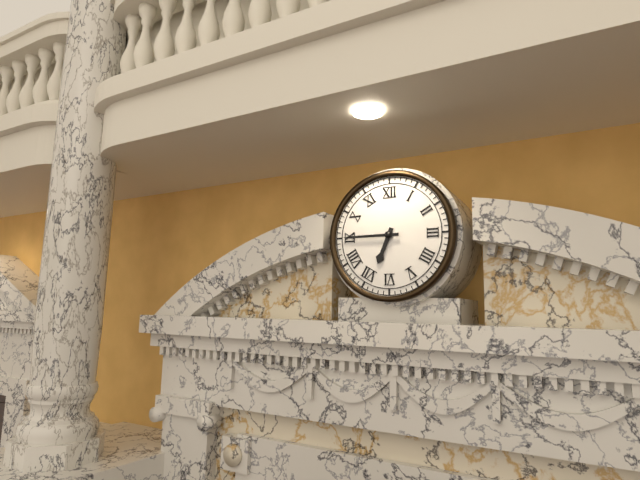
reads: 6,45
